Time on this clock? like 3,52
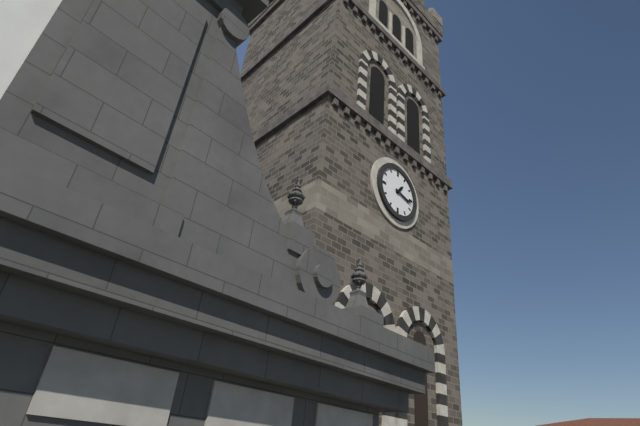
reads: 1,17
